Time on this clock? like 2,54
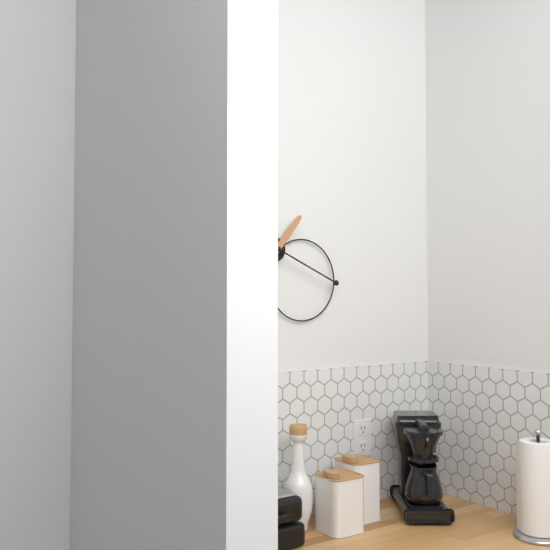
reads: 1,19
